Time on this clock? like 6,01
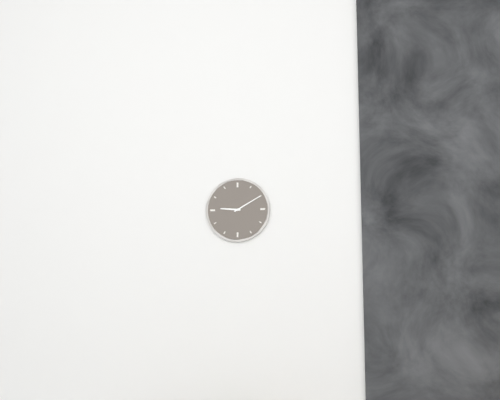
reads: 9,10
